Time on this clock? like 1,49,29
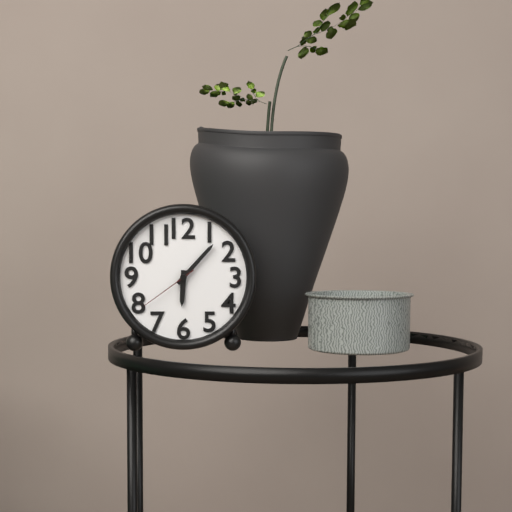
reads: 6,07,39
